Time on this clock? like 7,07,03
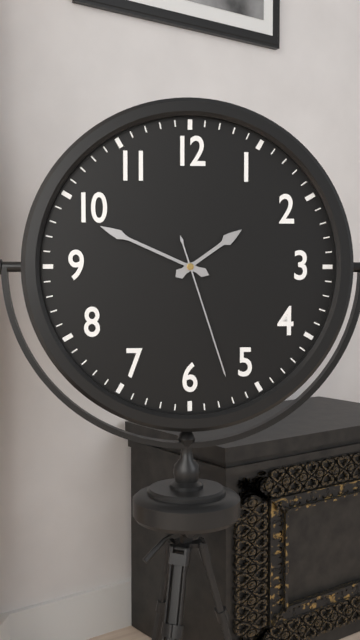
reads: 1,49,27
